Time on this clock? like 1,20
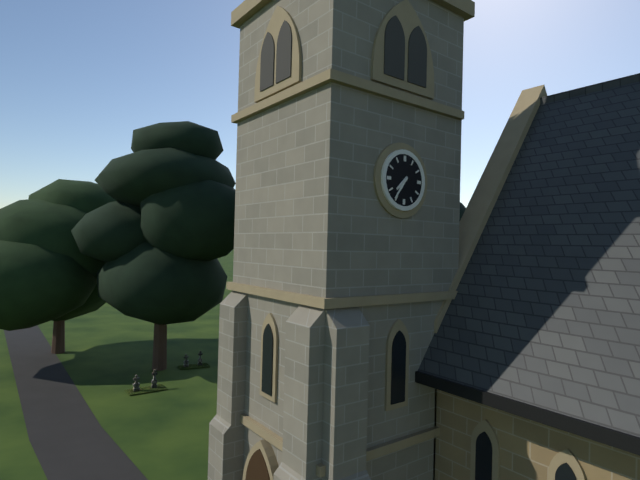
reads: 7,36
